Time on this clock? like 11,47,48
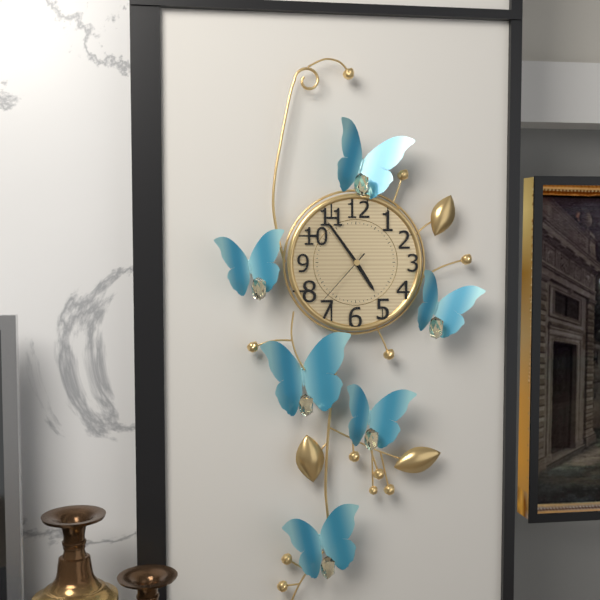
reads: 4,54,37
